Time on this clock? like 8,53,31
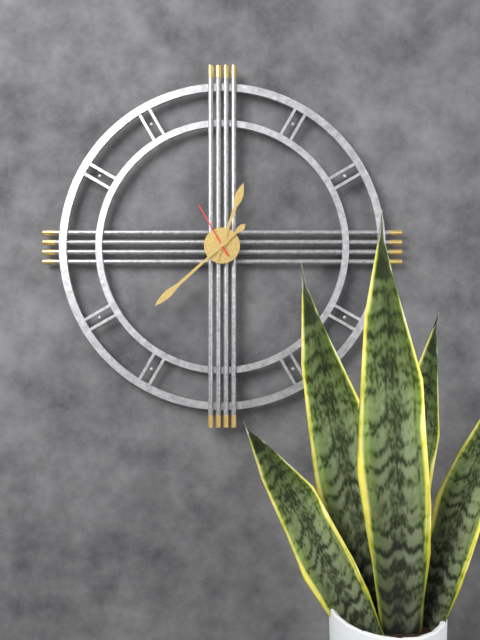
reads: 12,38,55
